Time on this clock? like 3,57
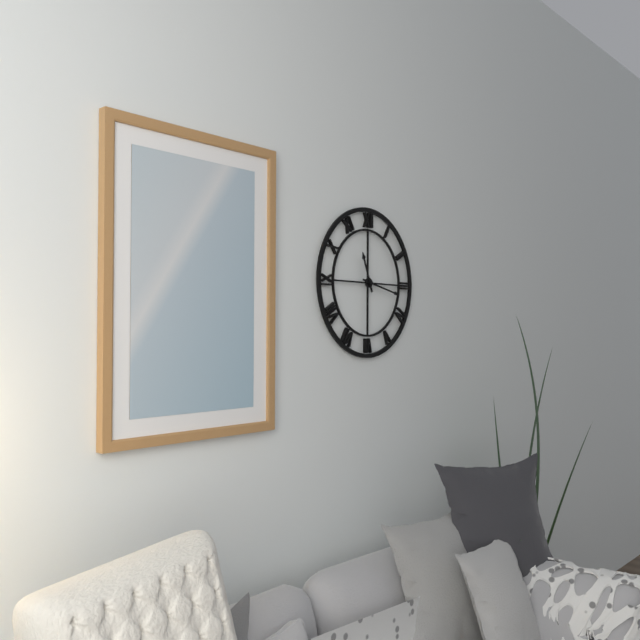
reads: 11,17
